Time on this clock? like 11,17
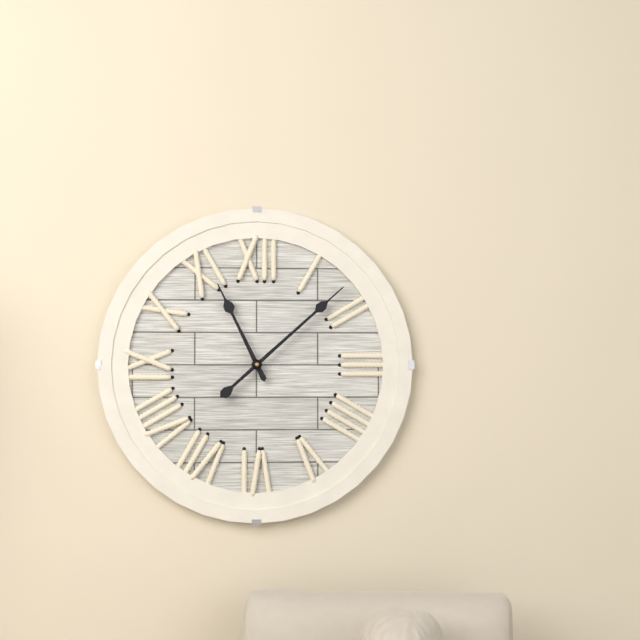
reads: 11,08
